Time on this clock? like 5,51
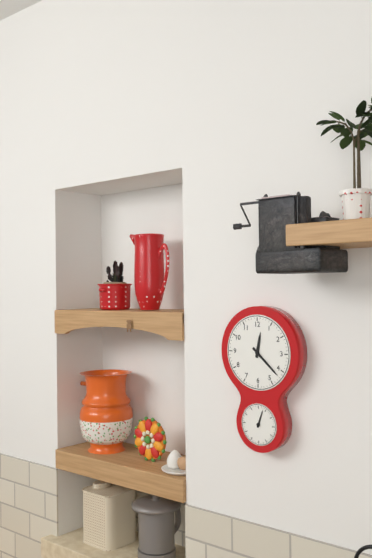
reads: 12,22
